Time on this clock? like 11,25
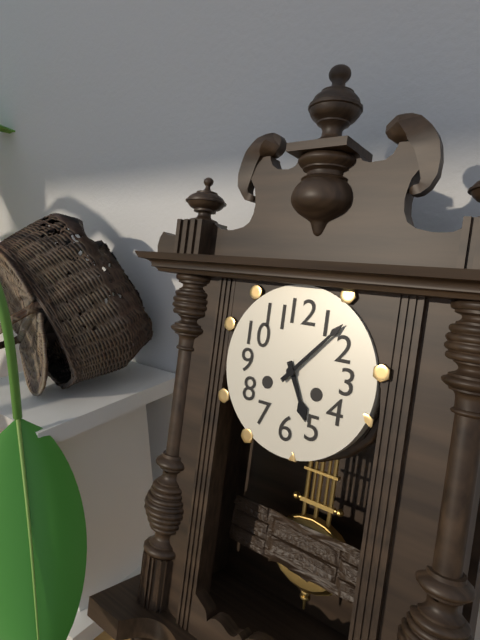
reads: 5,07
